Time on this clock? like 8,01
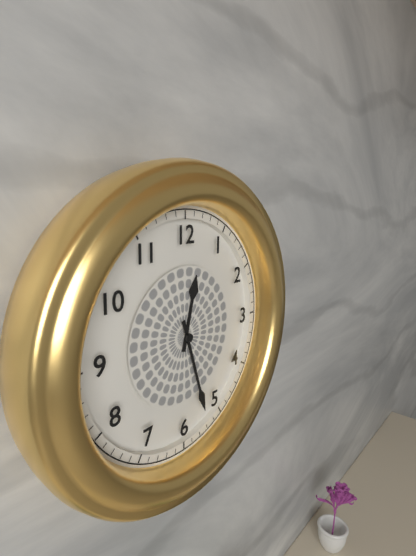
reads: 12,27
